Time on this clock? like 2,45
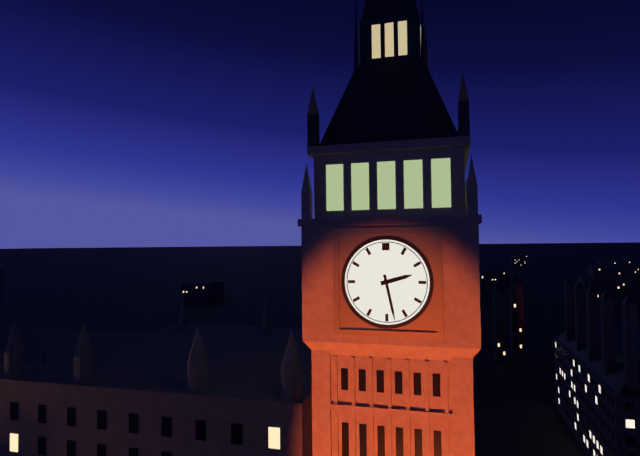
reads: 2,28
